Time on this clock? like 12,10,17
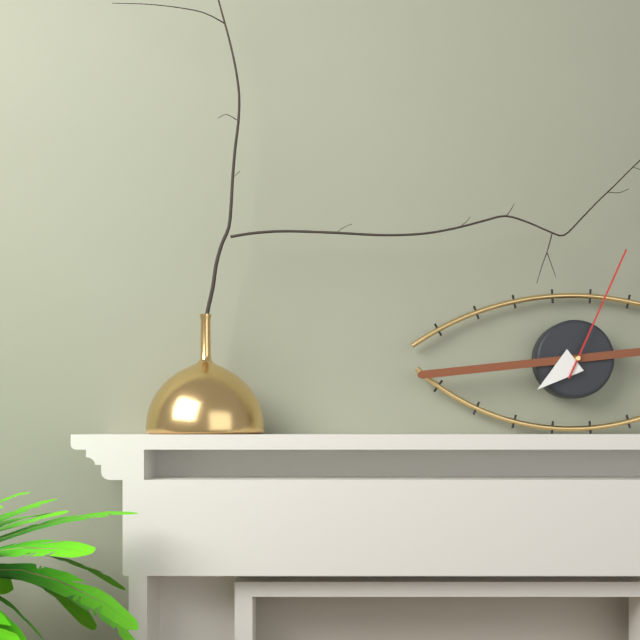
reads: 7,44,04
